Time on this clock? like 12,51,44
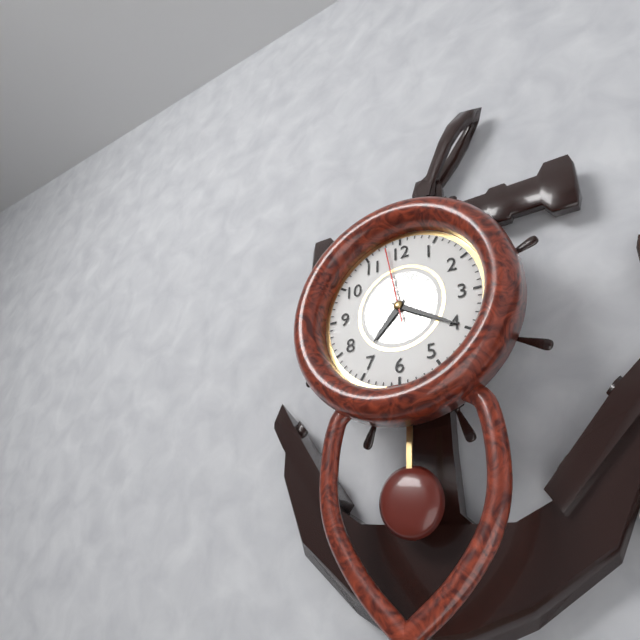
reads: 7,20,58
